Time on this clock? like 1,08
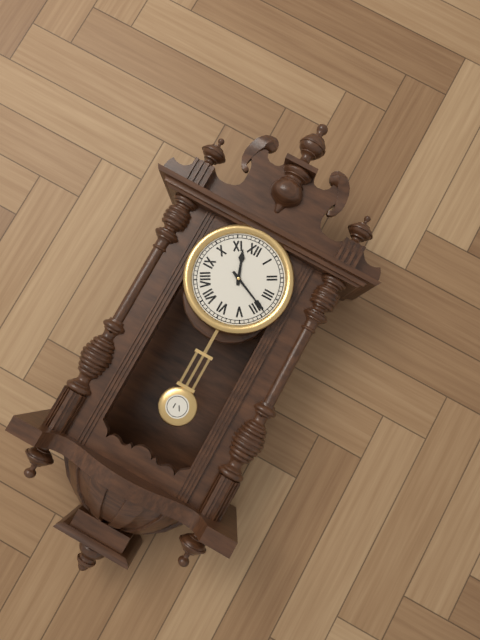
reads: 11,19
